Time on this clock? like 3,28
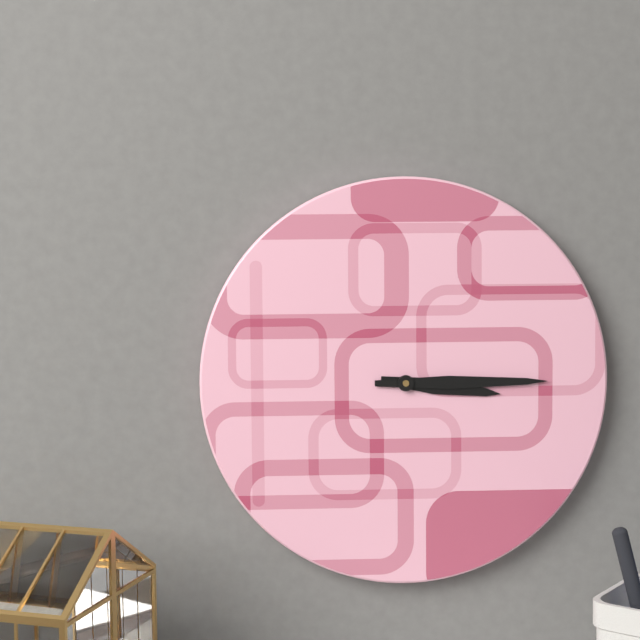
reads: 3,15
